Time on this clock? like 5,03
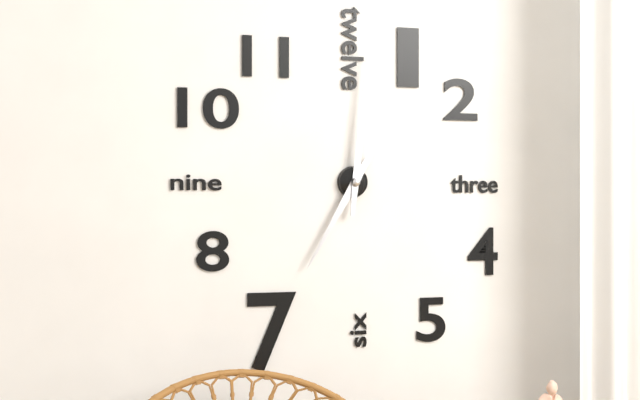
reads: 7,01
